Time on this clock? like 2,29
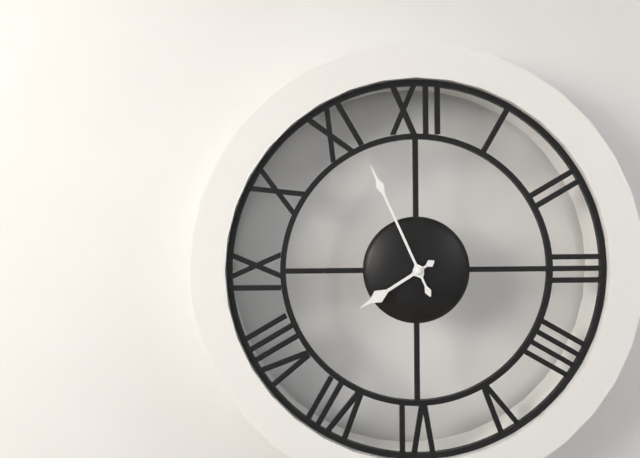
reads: 7,56
